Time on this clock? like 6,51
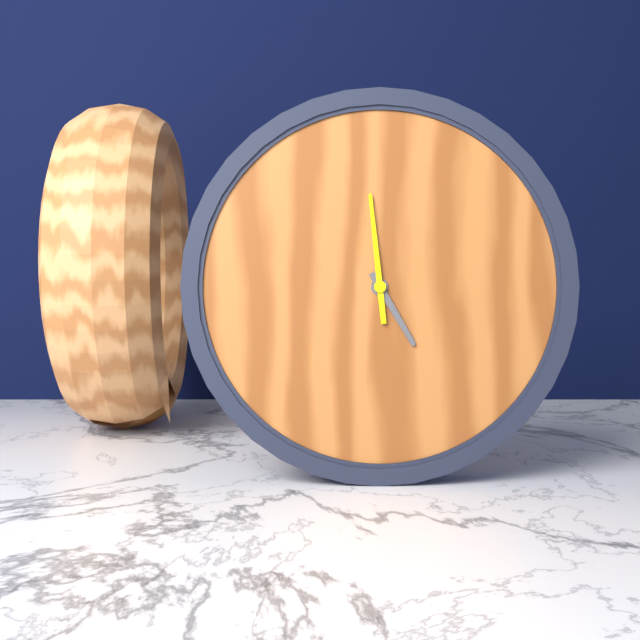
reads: 4,59
